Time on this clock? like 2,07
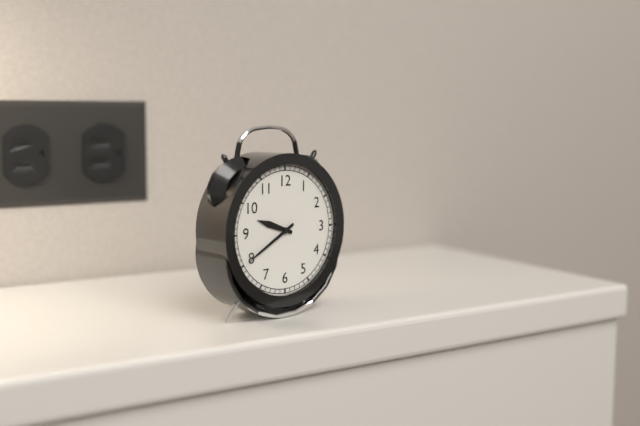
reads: 9,40
